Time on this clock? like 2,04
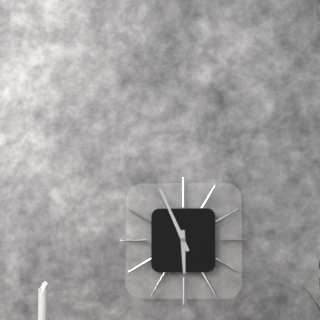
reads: 5,56
